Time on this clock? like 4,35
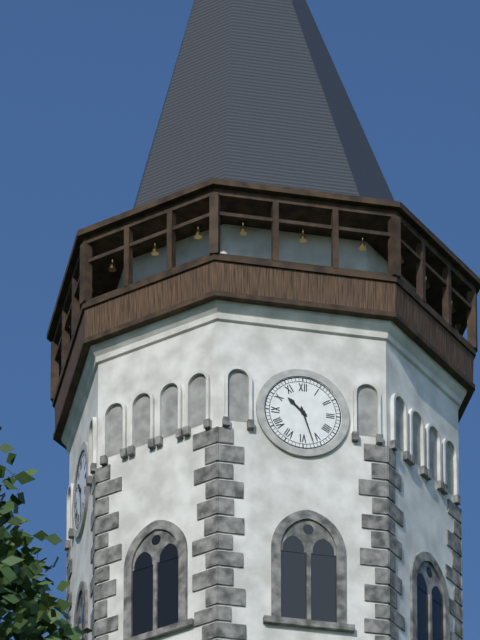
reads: 10,27
